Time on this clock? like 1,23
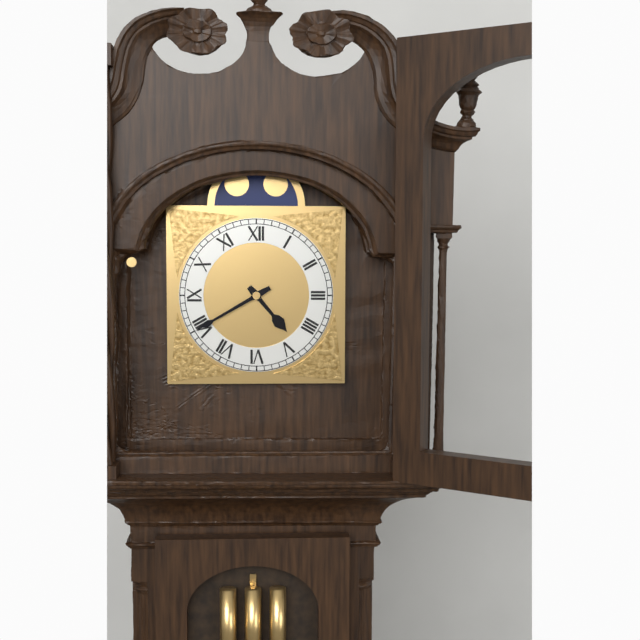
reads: 4,40
